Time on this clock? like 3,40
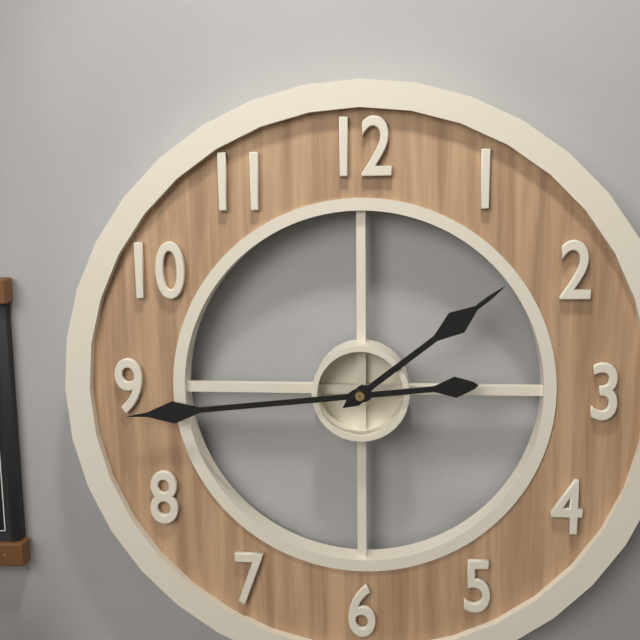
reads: 1,44
